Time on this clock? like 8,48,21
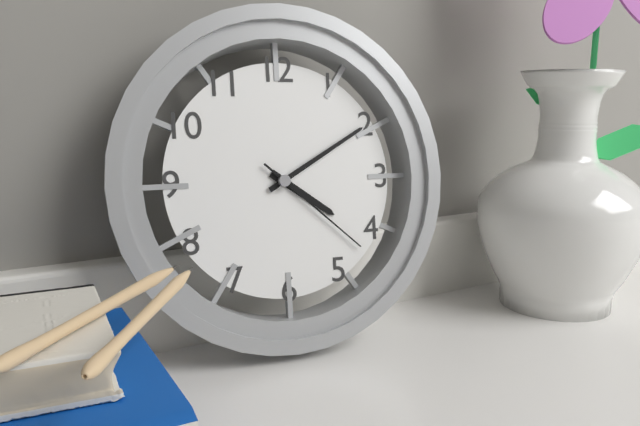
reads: 4,10,22
